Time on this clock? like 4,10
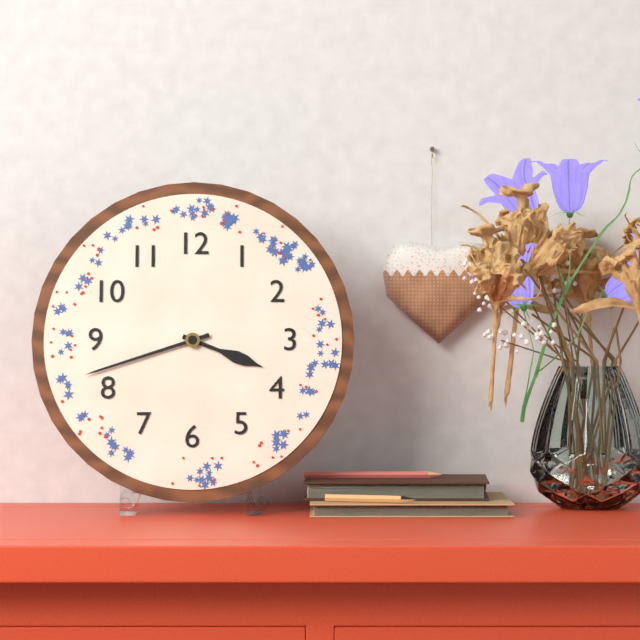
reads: 3,42
